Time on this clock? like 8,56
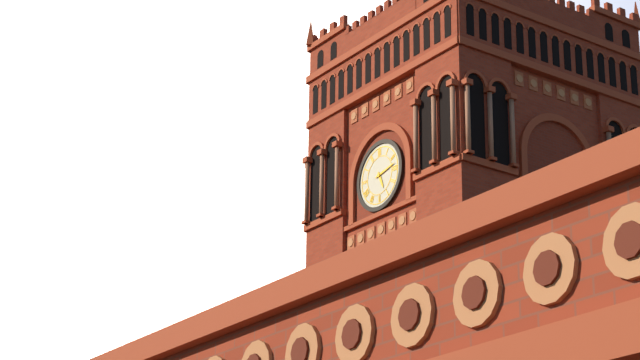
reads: 5,13
